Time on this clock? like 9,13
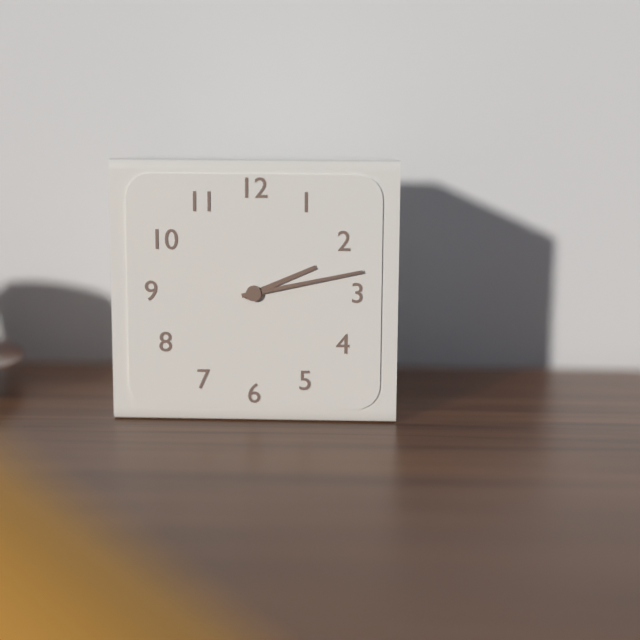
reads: 2,13
